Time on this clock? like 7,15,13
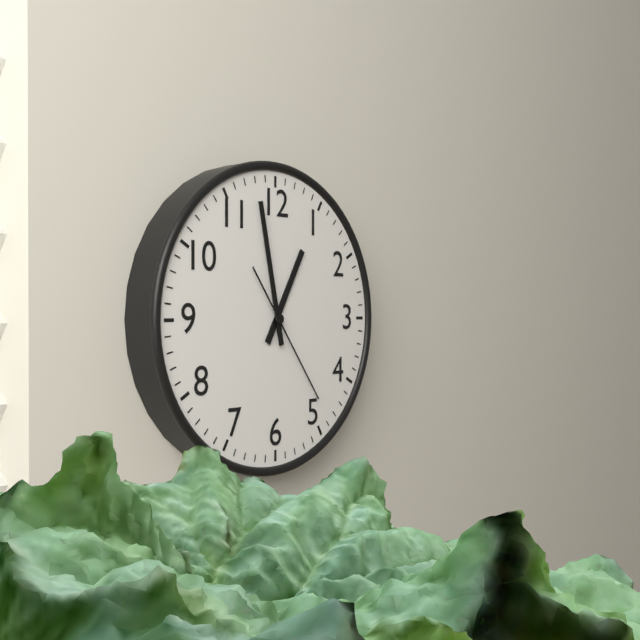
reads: 12,58,24
